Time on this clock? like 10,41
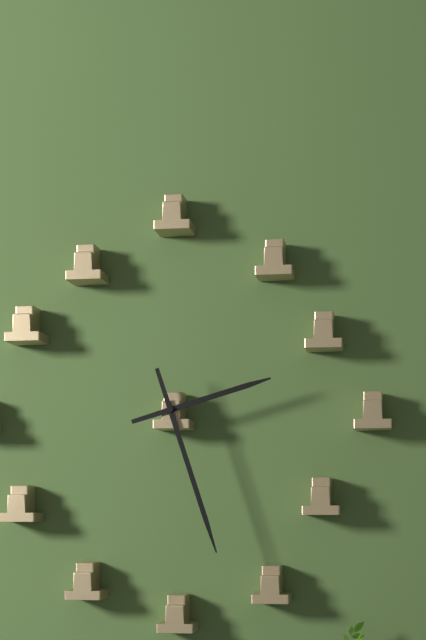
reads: 2,27
